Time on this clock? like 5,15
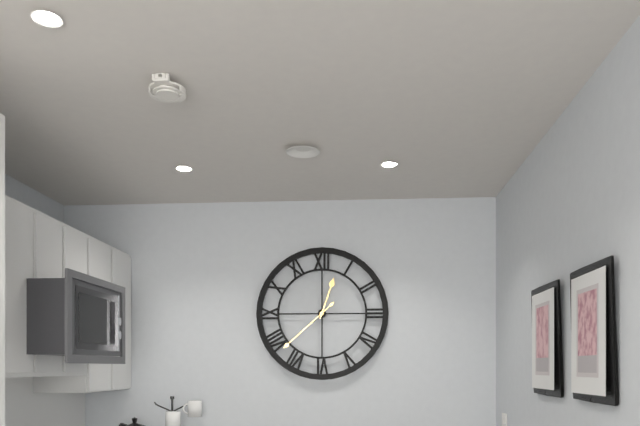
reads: 12,38
